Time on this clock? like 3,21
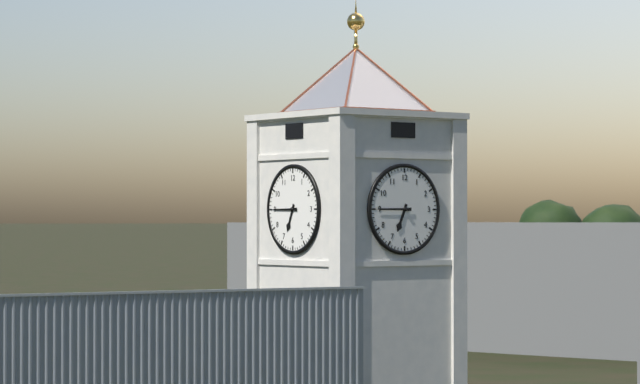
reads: 6,45
